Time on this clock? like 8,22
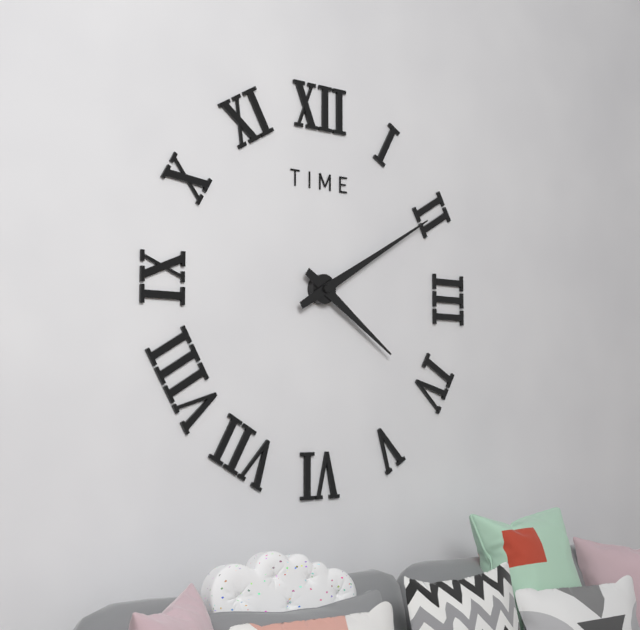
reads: 4,10
